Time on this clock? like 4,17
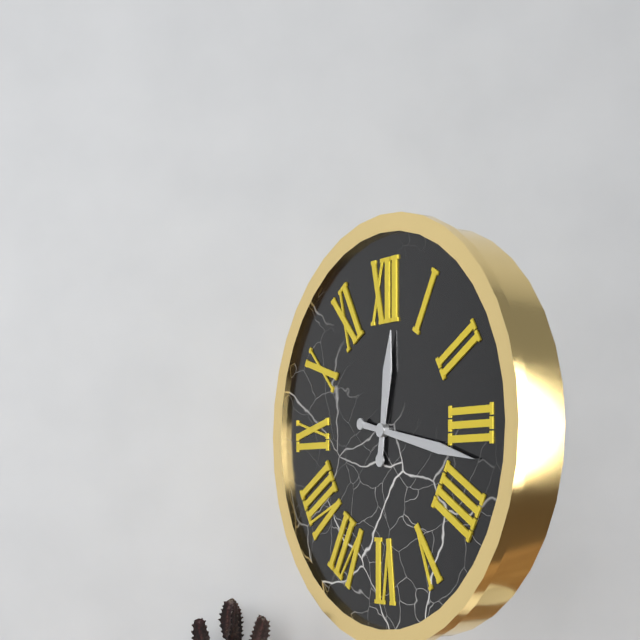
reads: 12,17
